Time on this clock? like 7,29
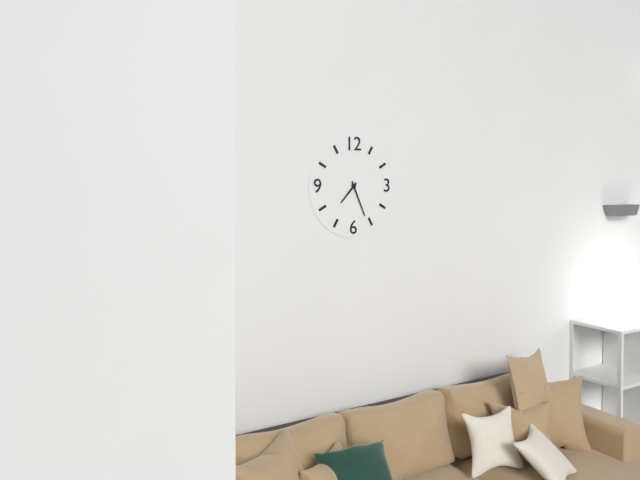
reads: 7,26
